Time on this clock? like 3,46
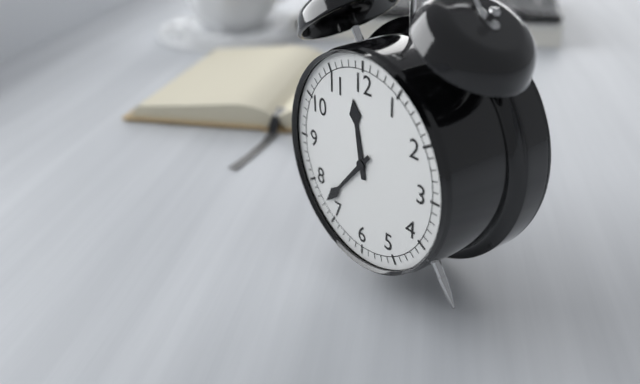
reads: 11,37
